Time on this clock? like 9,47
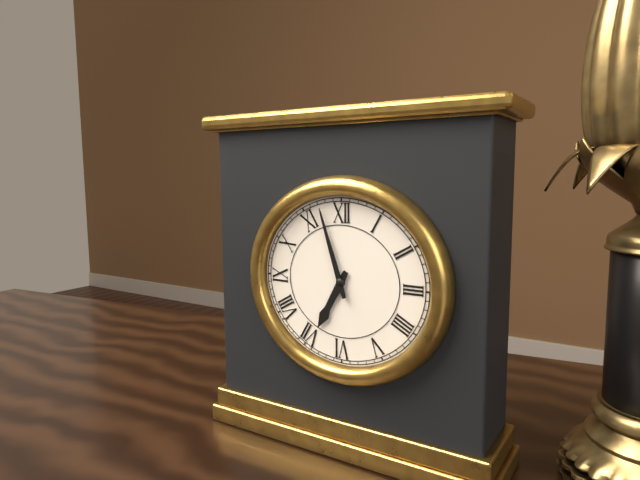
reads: 6,57
